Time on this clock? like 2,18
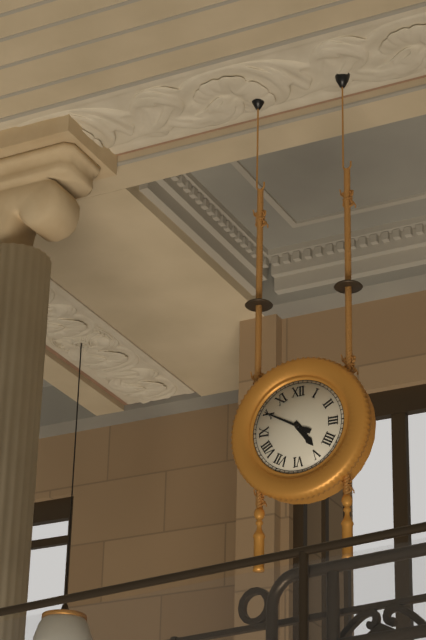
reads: 4,50
